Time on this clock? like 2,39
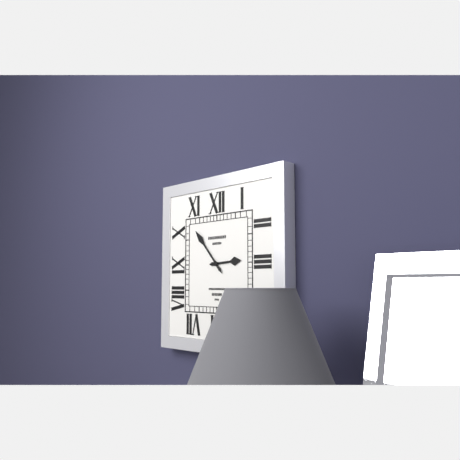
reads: 2,53
